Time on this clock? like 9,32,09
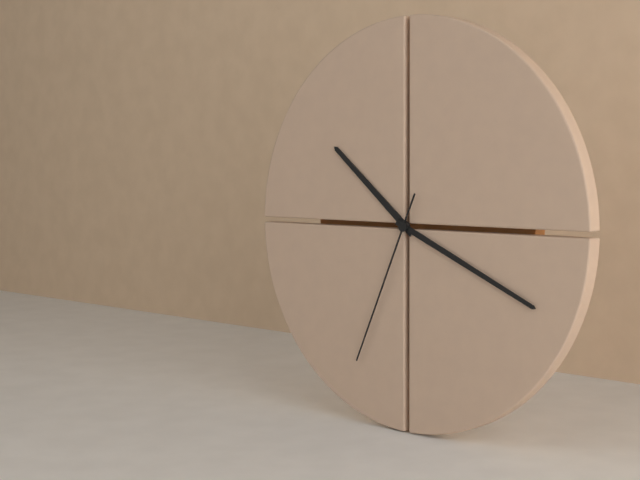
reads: 10,19,34
